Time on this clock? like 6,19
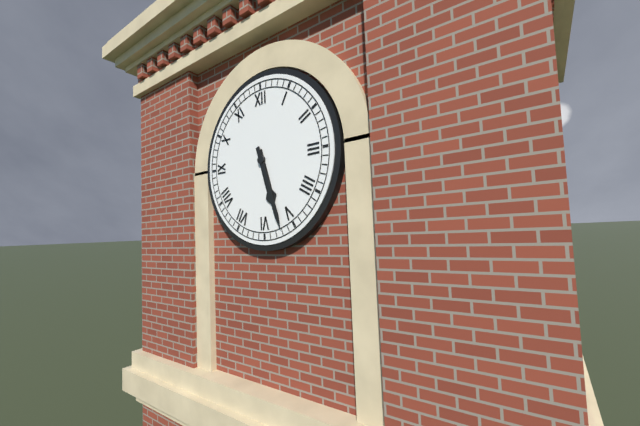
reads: 5,27
